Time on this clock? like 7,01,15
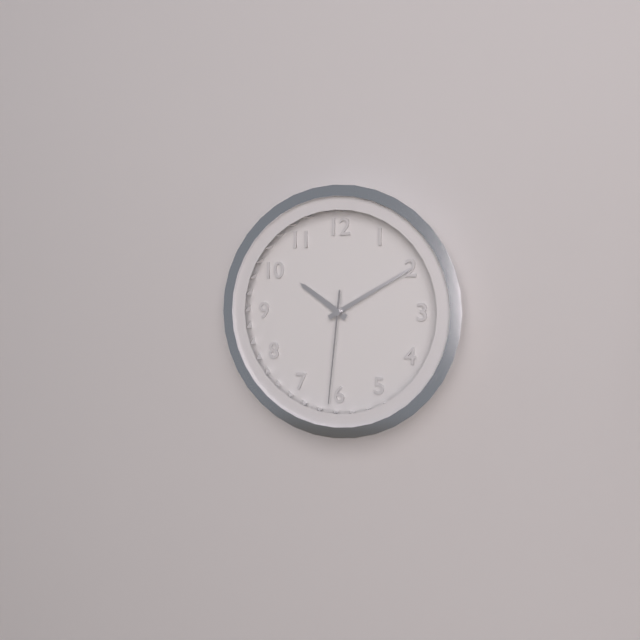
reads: 10,10,31
